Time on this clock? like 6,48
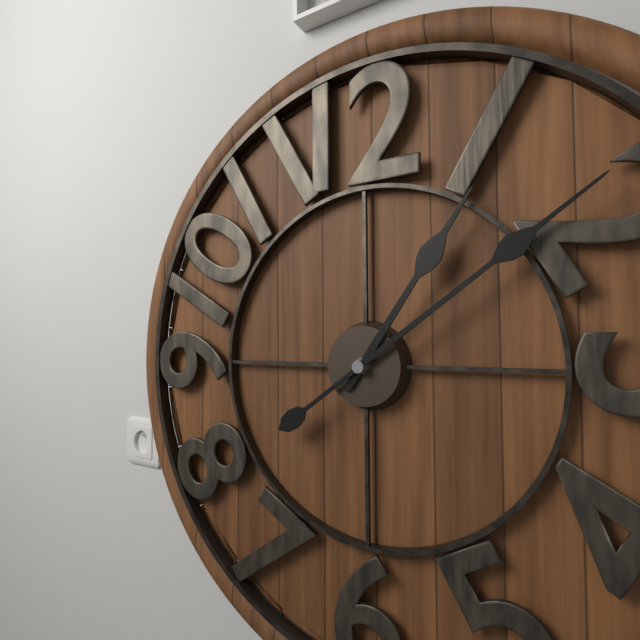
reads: 1,09
